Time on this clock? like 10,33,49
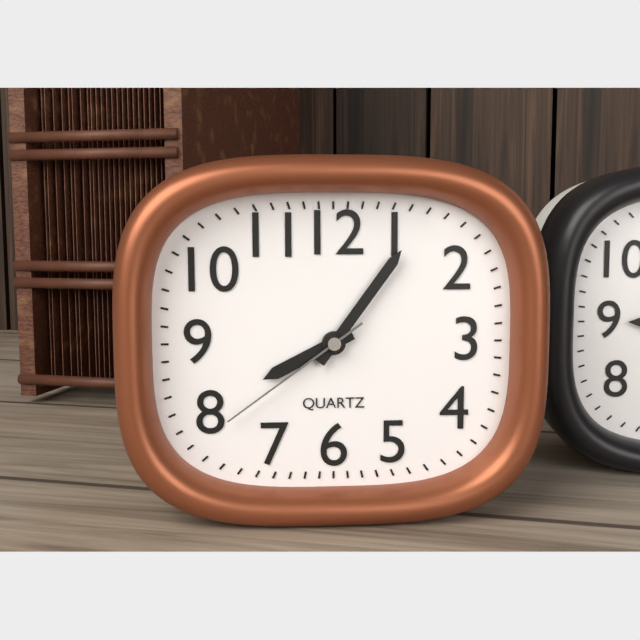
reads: 8,06,39
